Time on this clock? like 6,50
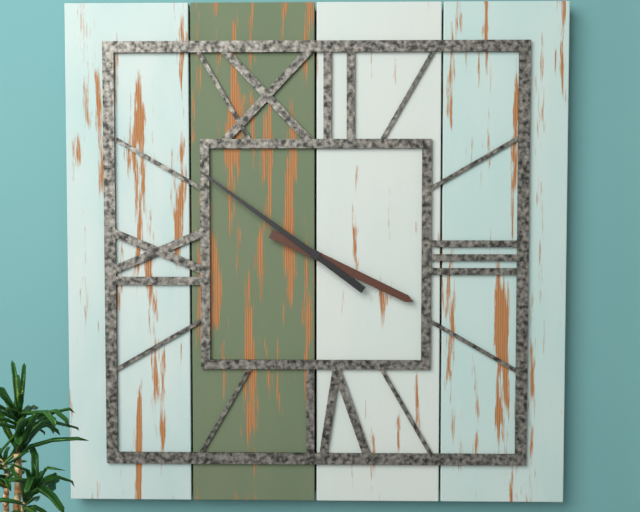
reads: 3,51
